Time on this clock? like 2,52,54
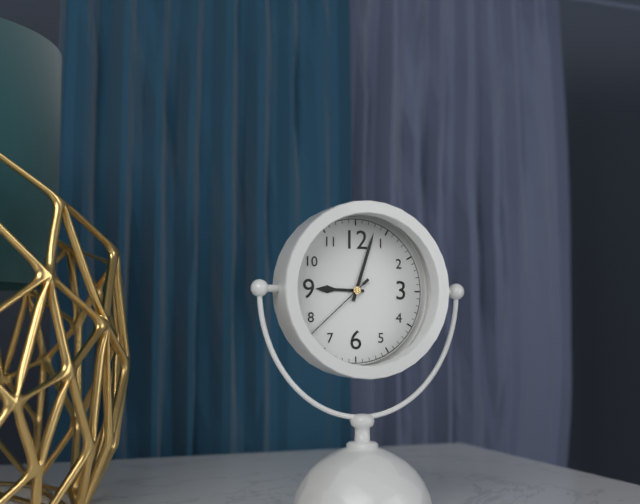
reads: 9,03,38
